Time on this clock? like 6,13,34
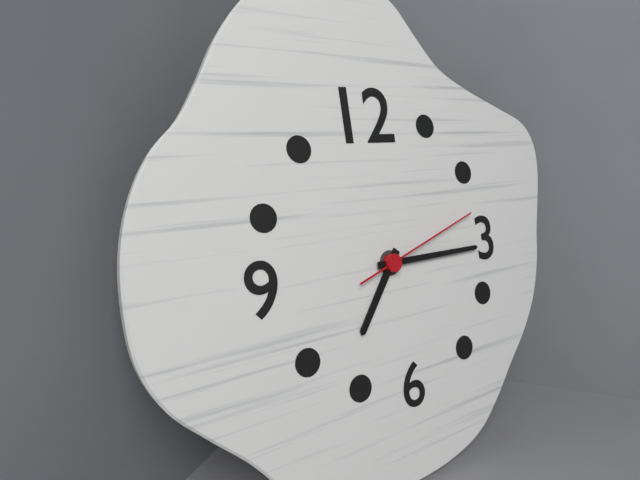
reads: 7,15,12
